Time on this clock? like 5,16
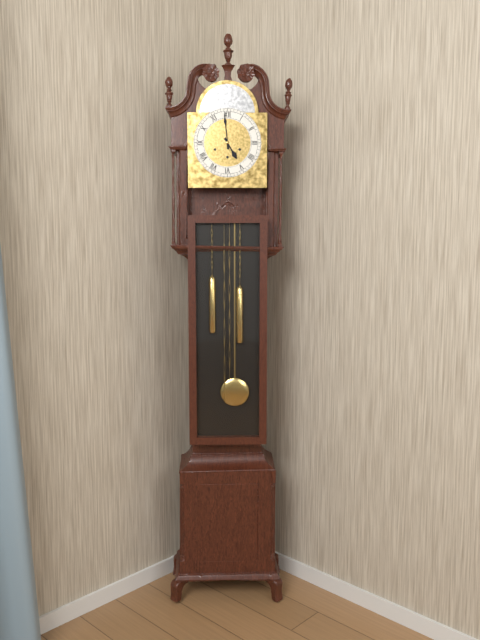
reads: 4,59
